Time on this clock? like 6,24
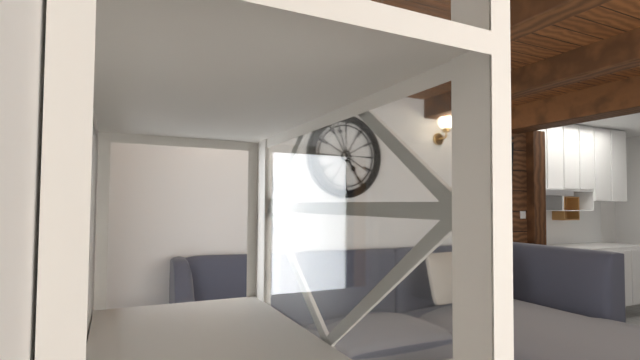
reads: 4,57
